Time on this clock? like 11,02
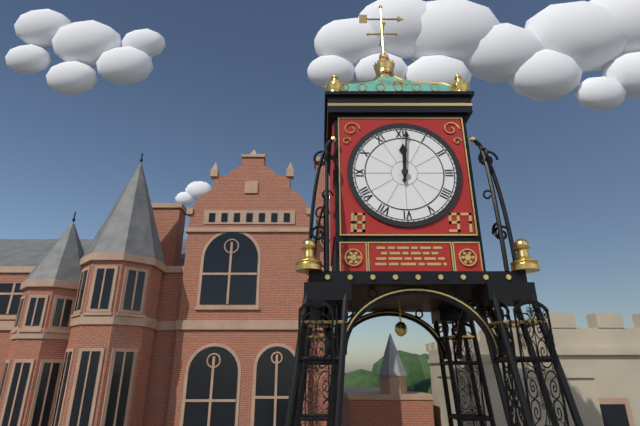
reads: 12,01
